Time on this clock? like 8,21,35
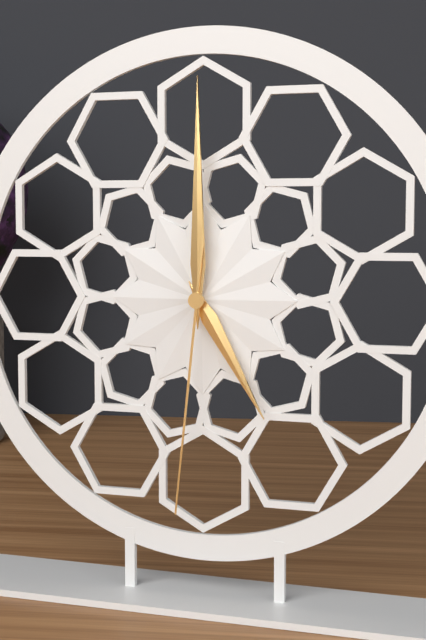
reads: 5,00,31
